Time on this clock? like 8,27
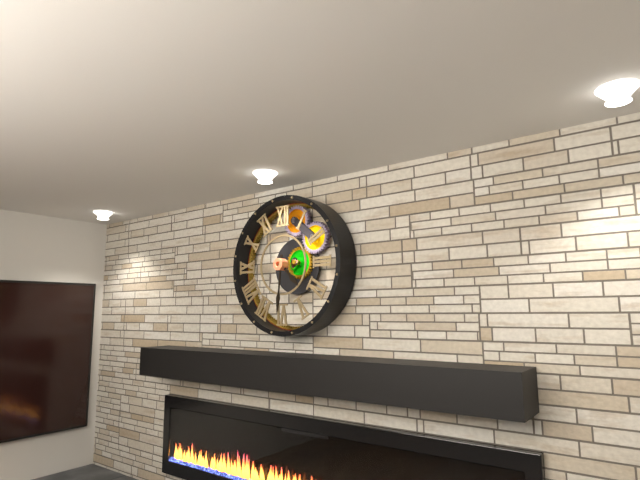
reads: 4,31
